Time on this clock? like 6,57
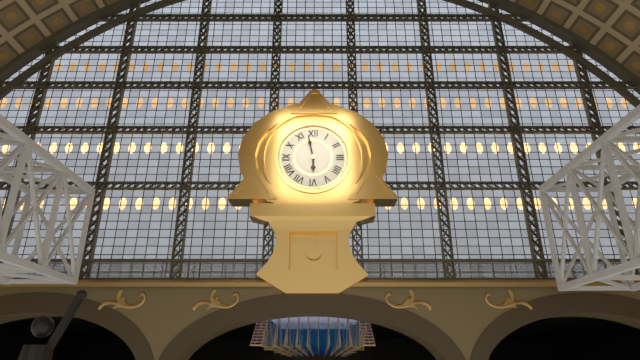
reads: 5,58
